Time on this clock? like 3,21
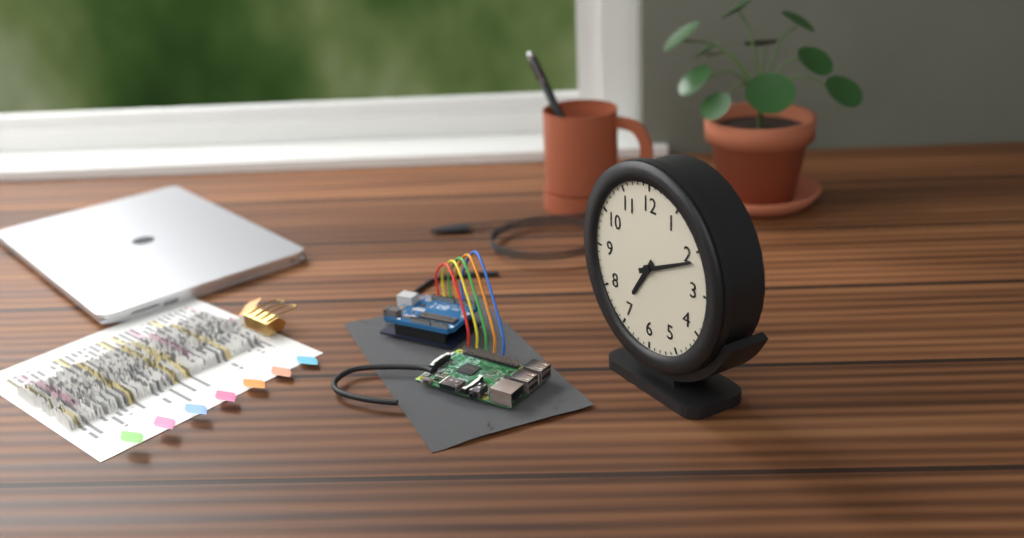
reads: 7,11
